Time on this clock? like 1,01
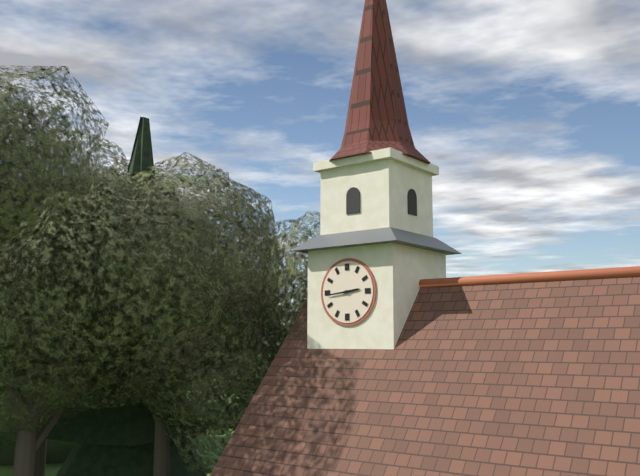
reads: 2,44
